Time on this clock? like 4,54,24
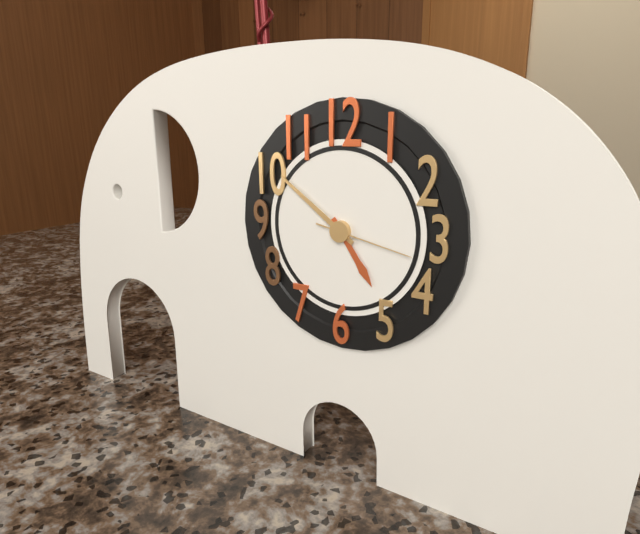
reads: 4,51,17
